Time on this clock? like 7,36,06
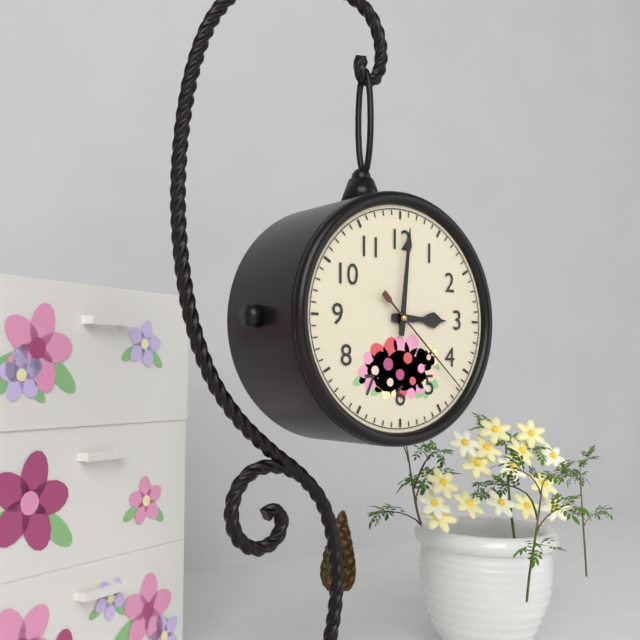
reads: 3,01,22
